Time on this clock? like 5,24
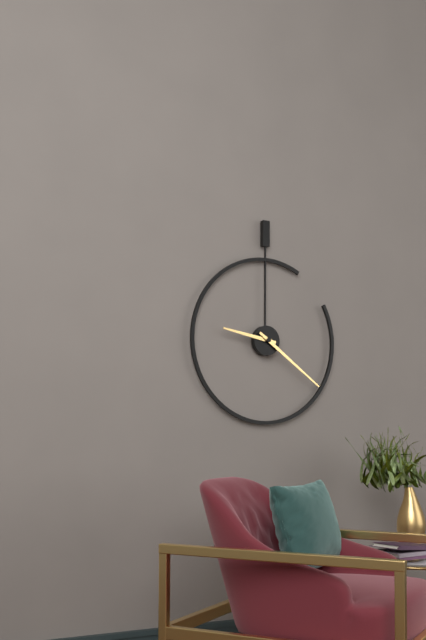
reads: 9,21
